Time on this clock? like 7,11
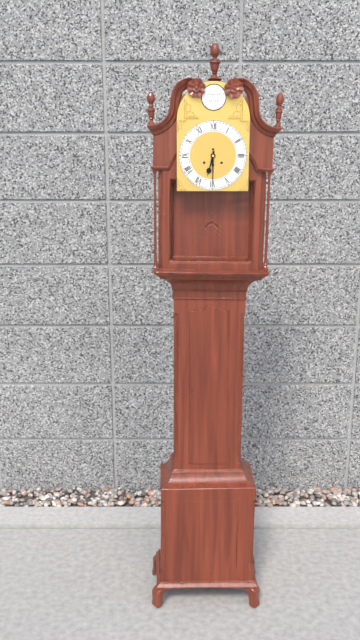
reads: 6,30
